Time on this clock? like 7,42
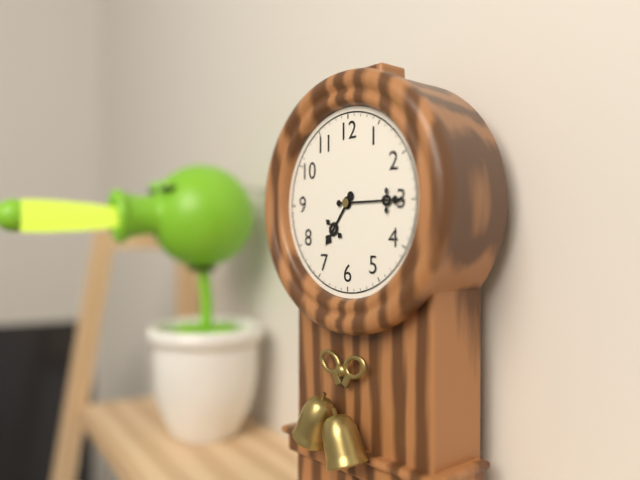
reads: 7,15
